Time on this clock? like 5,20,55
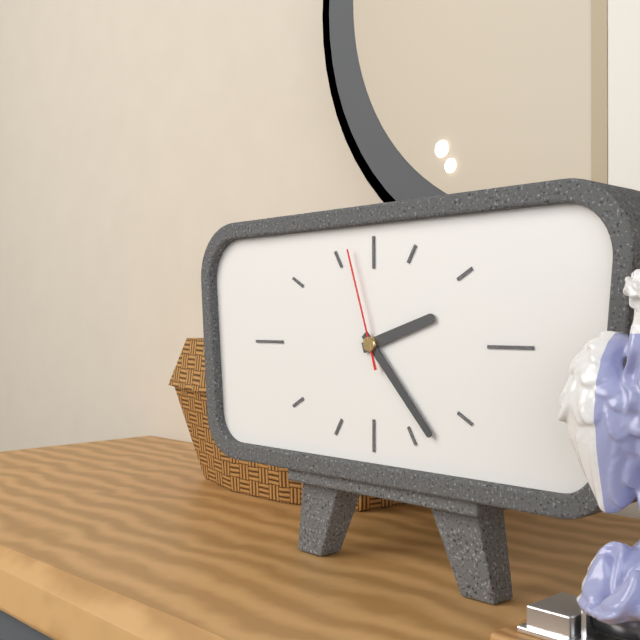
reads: 2,23,57
